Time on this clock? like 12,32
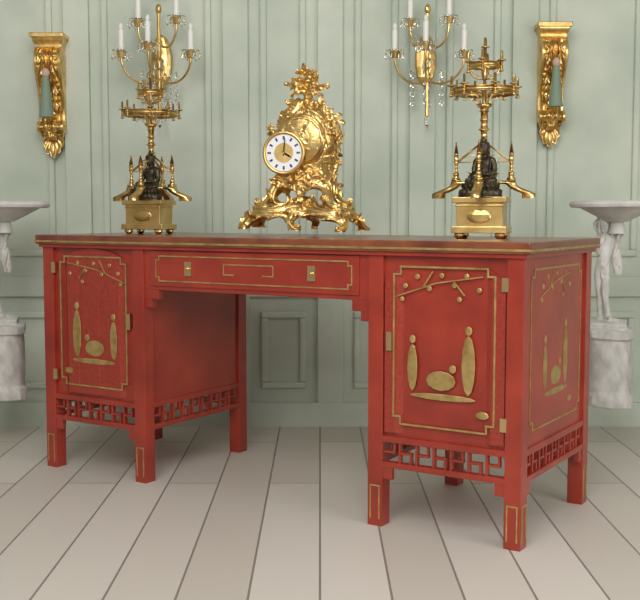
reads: 4,01
